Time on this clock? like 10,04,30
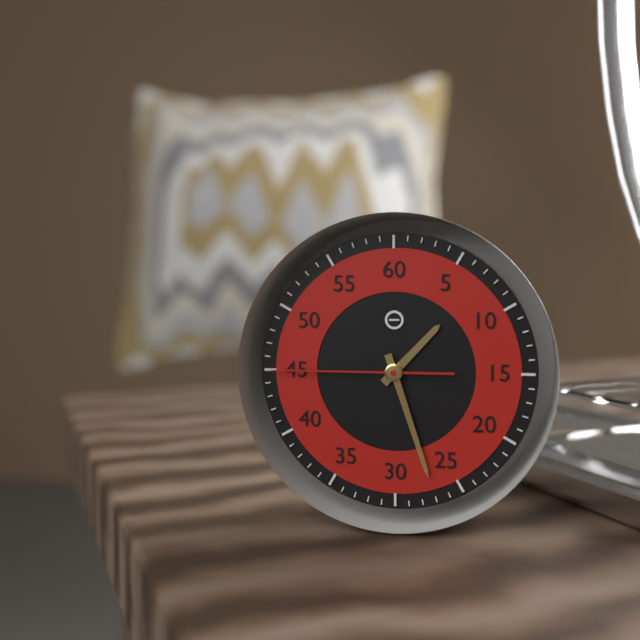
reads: 1,27,45
